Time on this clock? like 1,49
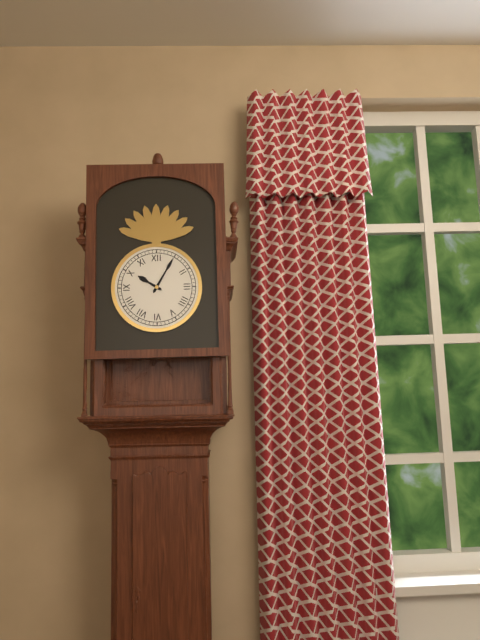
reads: 10,05
